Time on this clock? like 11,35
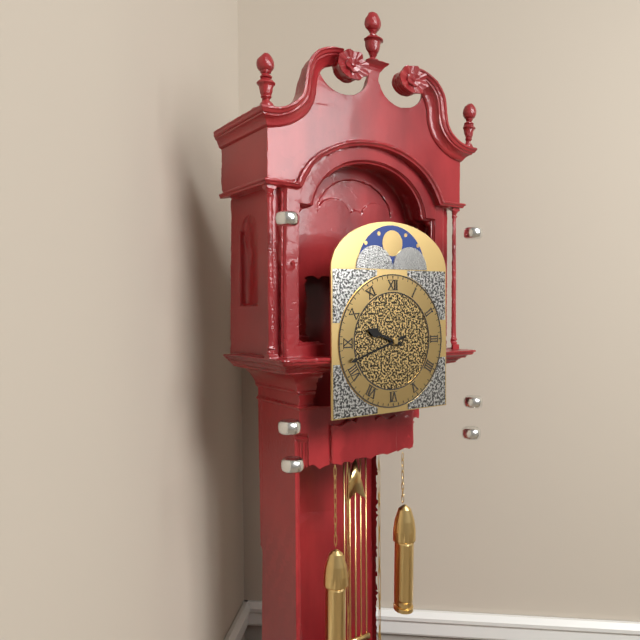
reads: 9,42
